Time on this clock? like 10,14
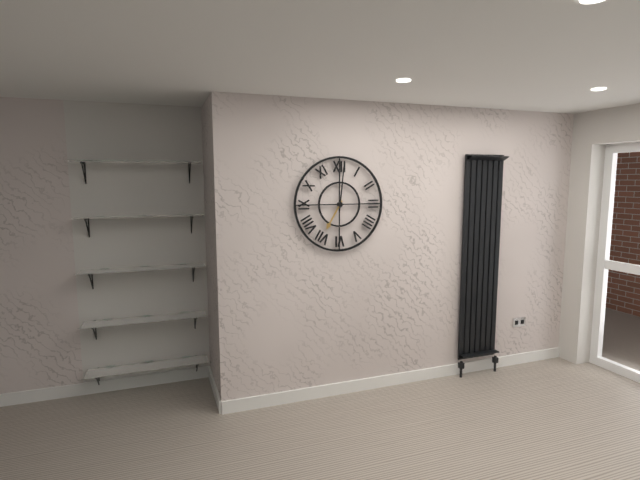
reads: 7,01
